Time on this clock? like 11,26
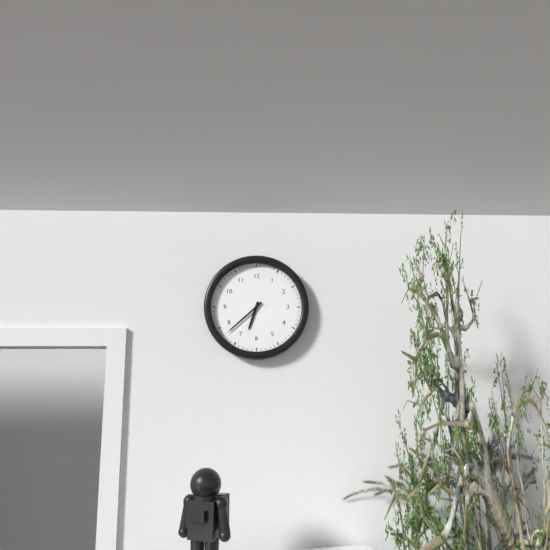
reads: 6,38
